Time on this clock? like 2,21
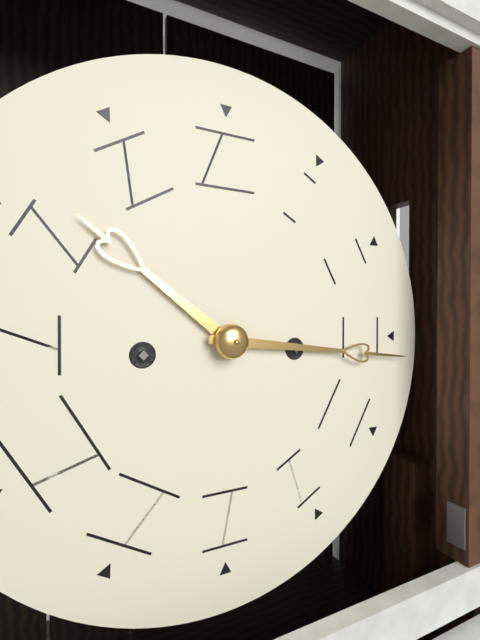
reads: 10,16
